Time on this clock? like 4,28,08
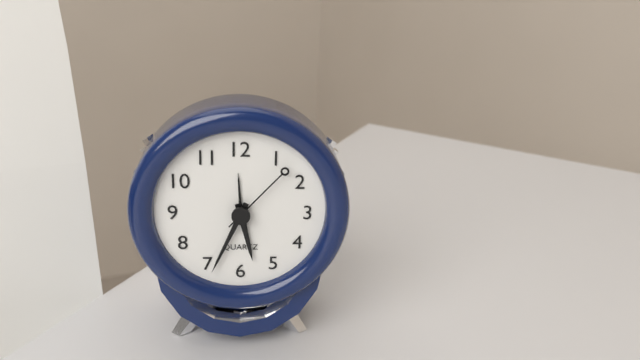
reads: 5,34,07
